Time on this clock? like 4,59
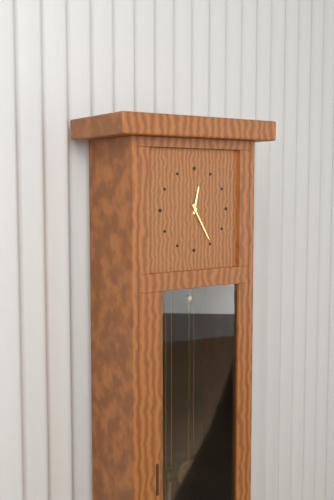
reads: 12,25
